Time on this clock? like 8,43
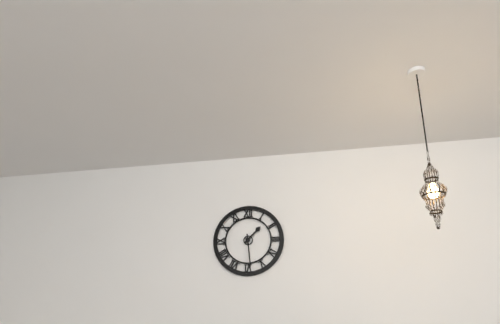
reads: 1,29
